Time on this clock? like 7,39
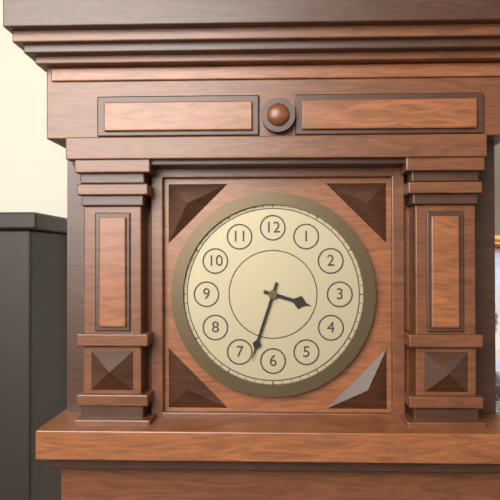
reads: 3,33
